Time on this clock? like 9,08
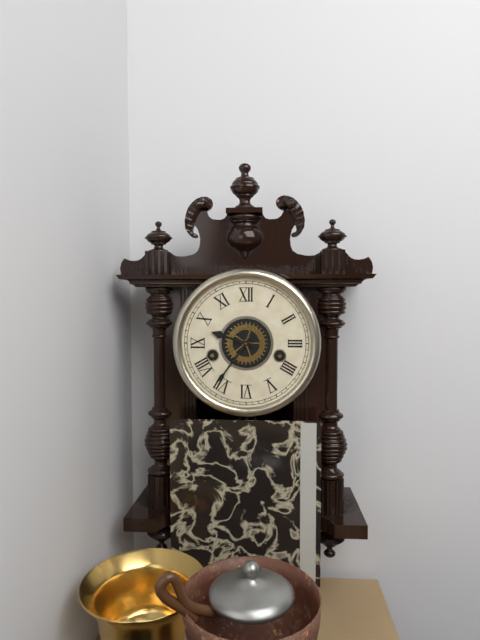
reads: 9,36
